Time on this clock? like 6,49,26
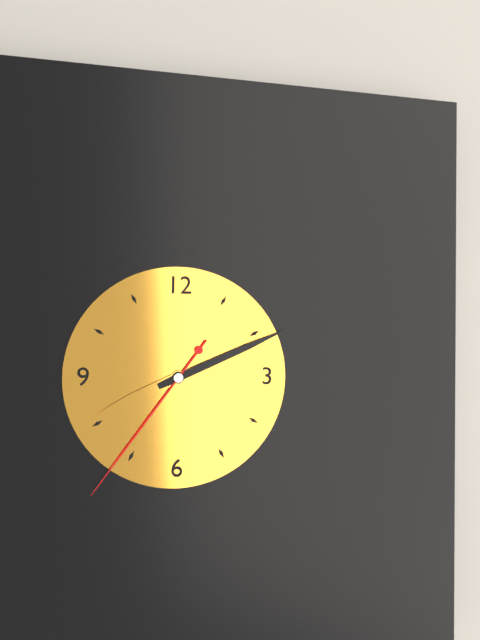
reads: 8,11,36
